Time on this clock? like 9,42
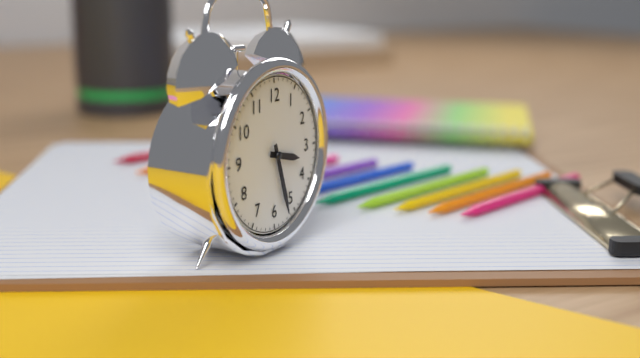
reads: 3,27
